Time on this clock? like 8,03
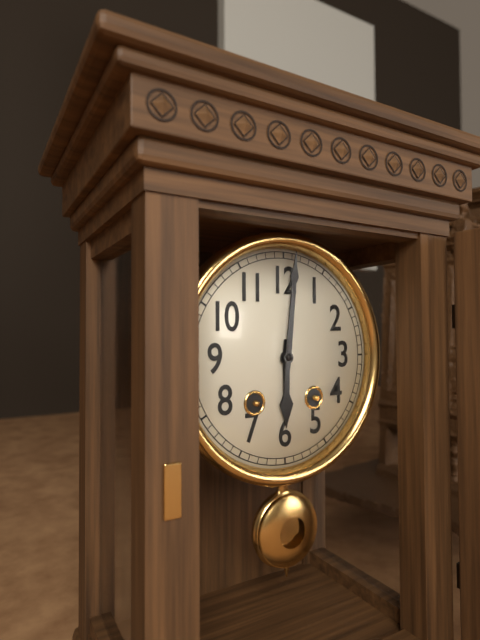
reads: 6,01
